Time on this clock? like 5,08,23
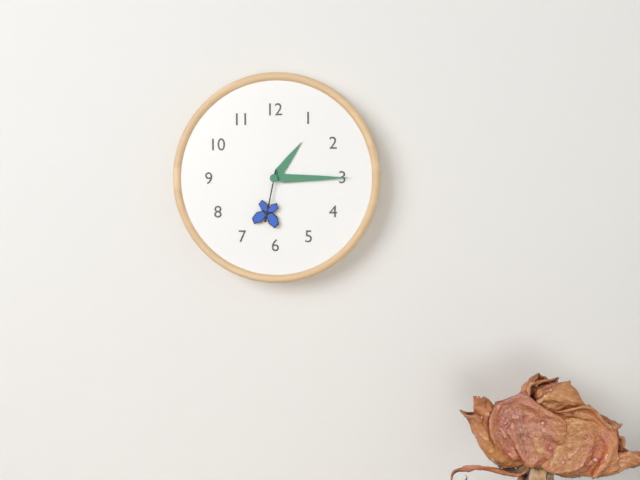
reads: 1,15,32
